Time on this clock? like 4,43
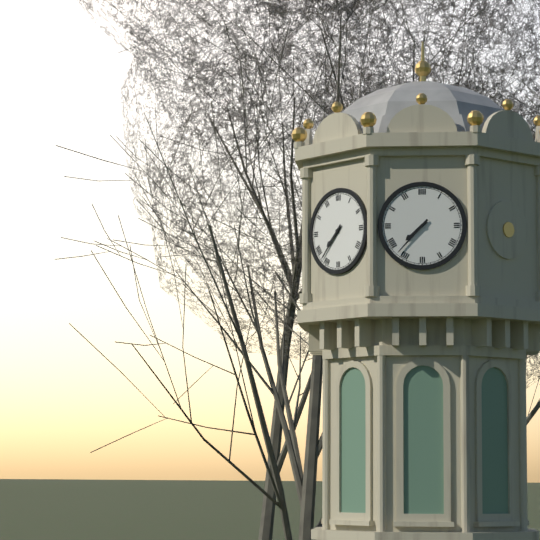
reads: 7,37
